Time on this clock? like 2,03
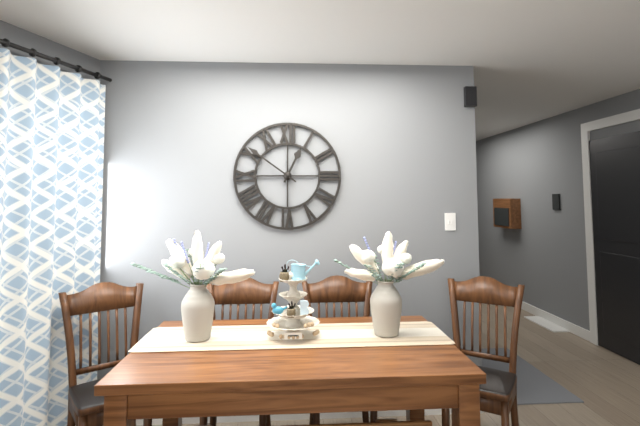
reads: 12,51
